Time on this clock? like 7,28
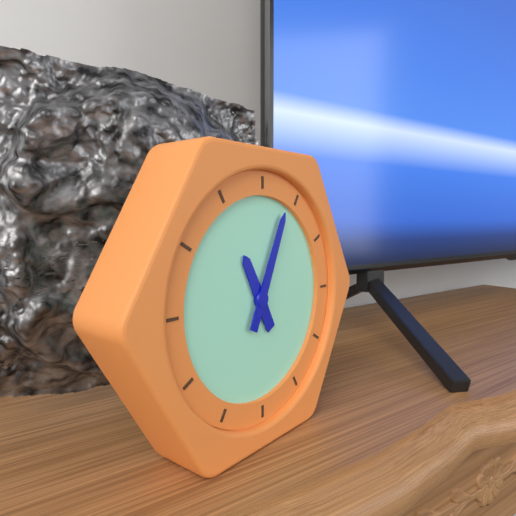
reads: 11,04
